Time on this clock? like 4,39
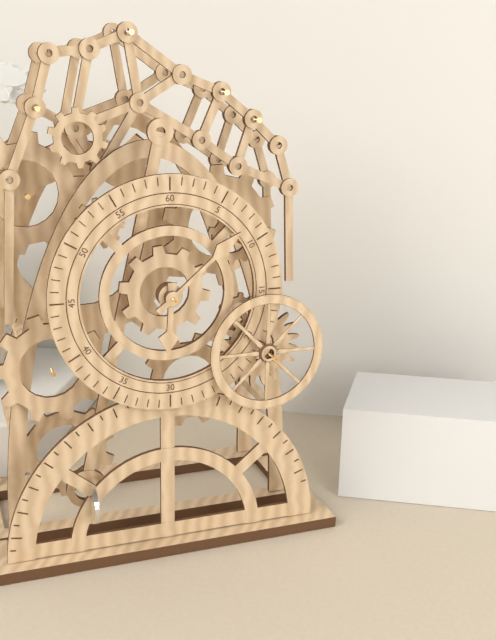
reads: 6,08
